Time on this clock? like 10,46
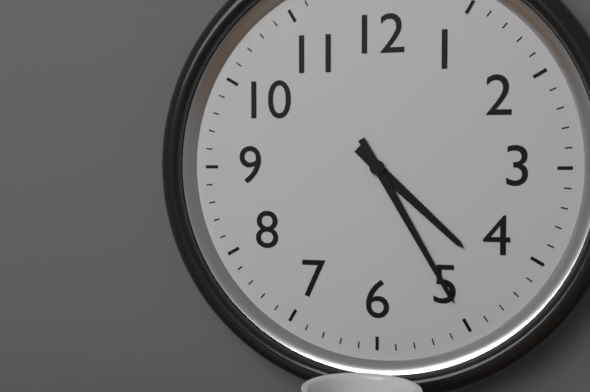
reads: 4,25
